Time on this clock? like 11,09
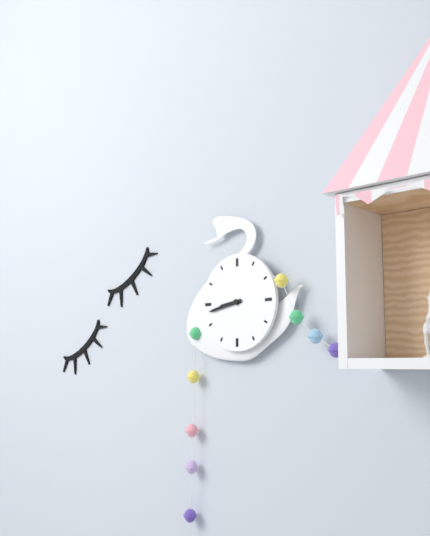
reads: 8,43
